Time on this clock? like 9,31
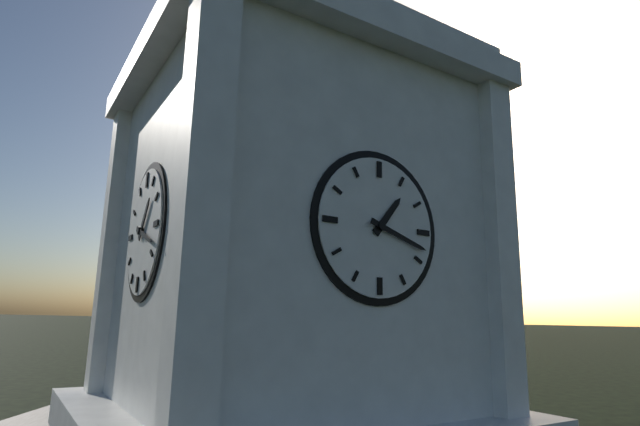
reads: 1,18
